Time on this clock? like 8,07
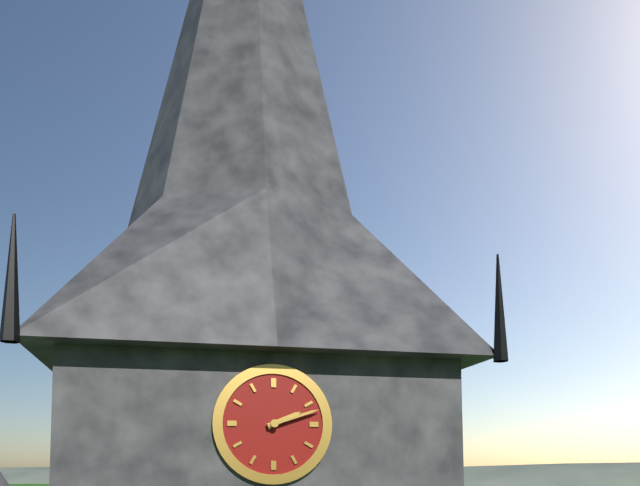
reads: 2,12
